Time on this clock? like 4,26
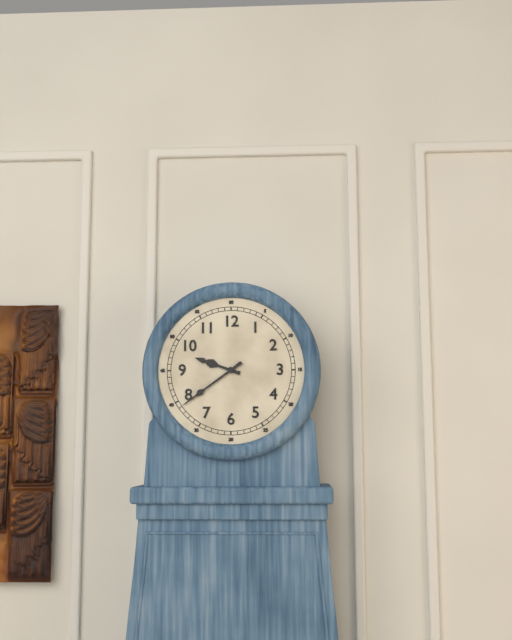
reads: 9,39
